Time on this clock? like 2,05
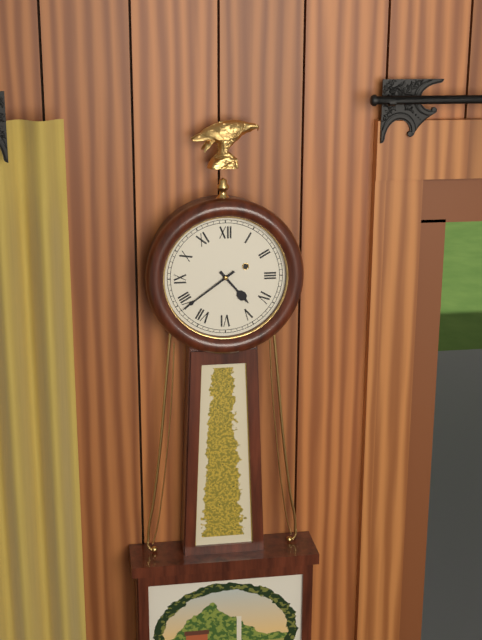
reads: 4,39
